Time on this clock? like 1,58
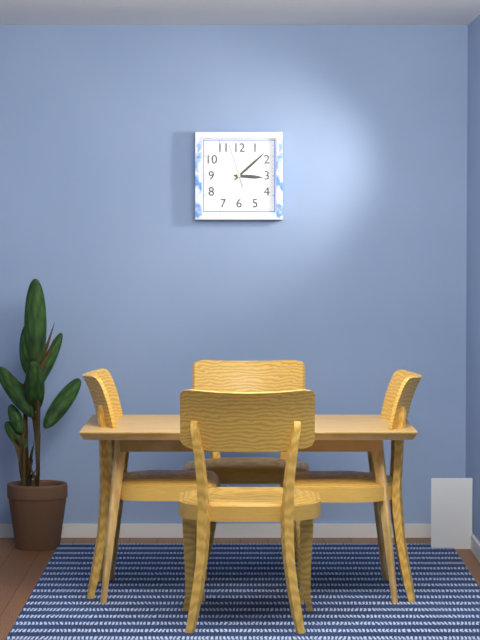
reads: 3,08
